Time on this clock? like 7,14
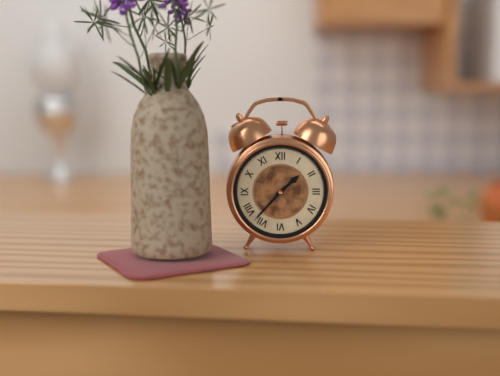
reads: 1,37
